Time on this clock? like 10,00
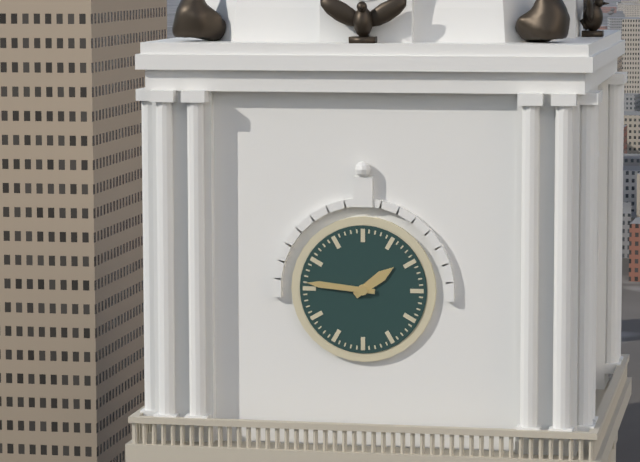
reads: 1,46
